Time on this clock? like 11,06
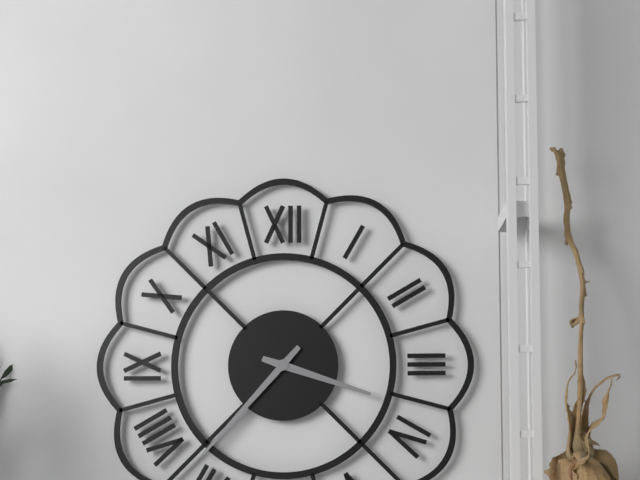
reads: 3,37
